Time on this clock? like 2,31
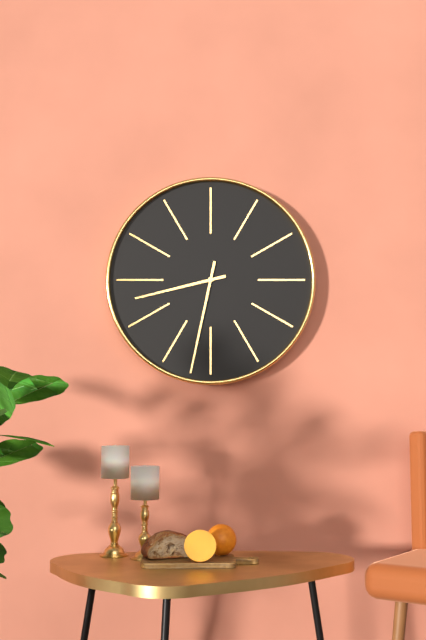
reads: 8,32
